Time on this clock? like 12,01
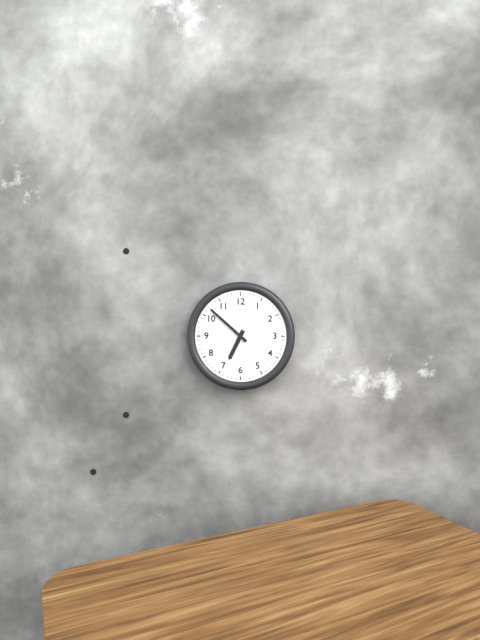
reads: 6,52
